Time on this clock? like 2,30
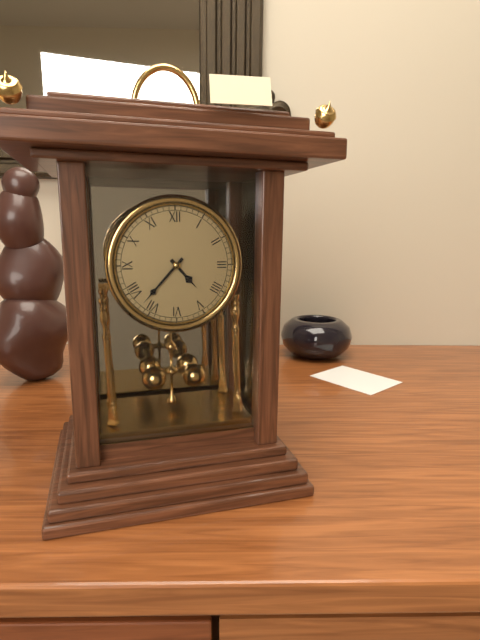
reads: 4,37
